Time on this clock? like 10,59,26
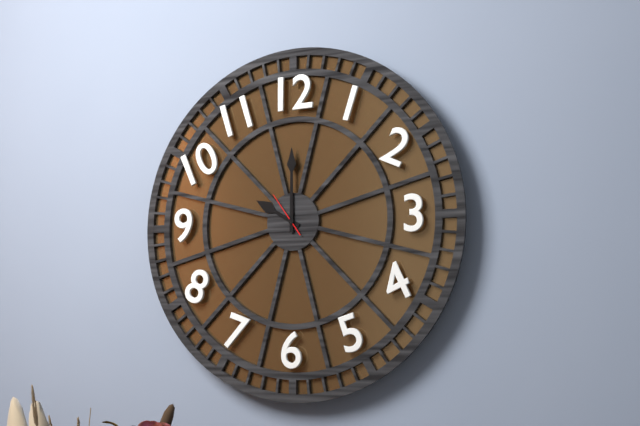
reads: 10,00,54
